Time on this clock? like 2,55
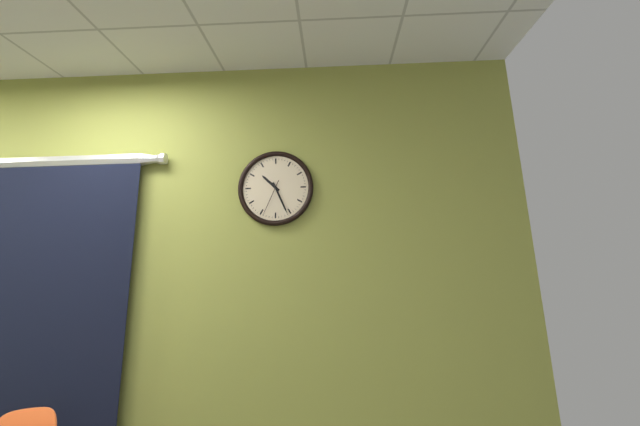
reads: 10,26
